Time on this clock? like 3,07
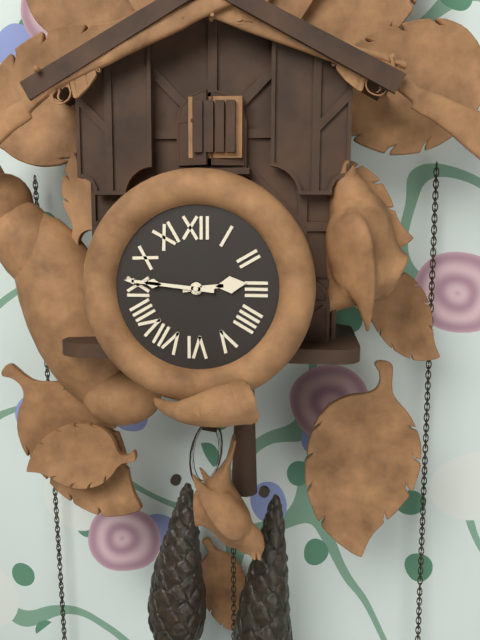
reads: 2,46
